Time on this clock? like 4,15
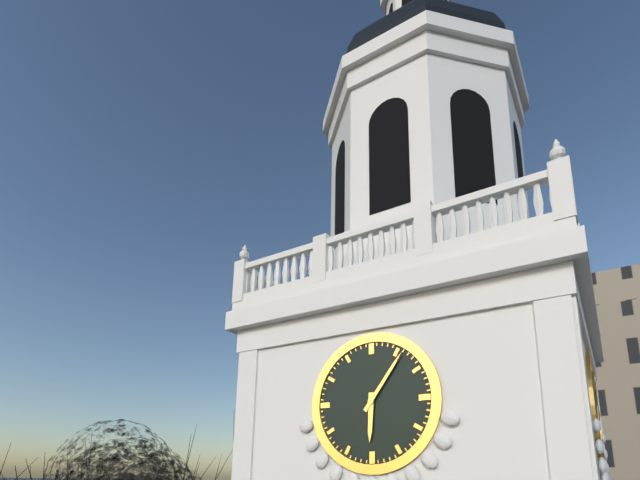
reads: 6,06
